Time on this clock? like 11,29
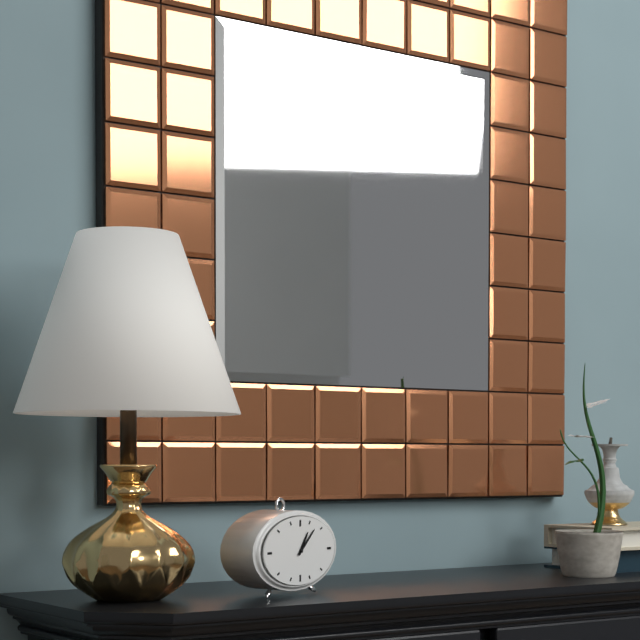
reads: 1,08
